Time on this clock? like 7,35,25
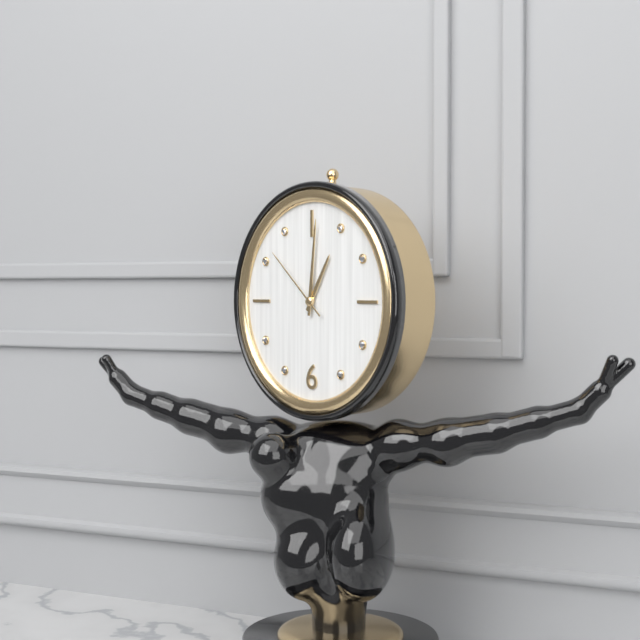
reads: 1,01,52
